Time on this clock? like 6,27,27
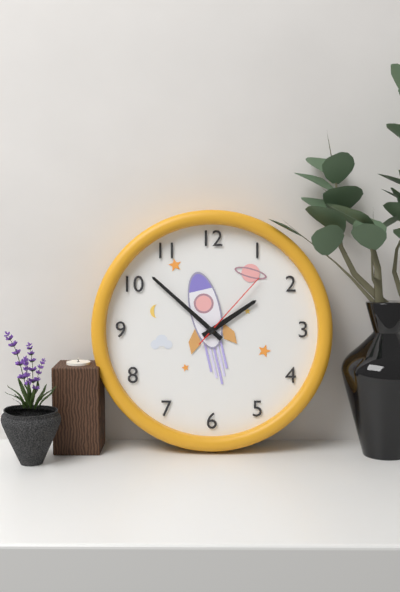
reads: 1,52,07
